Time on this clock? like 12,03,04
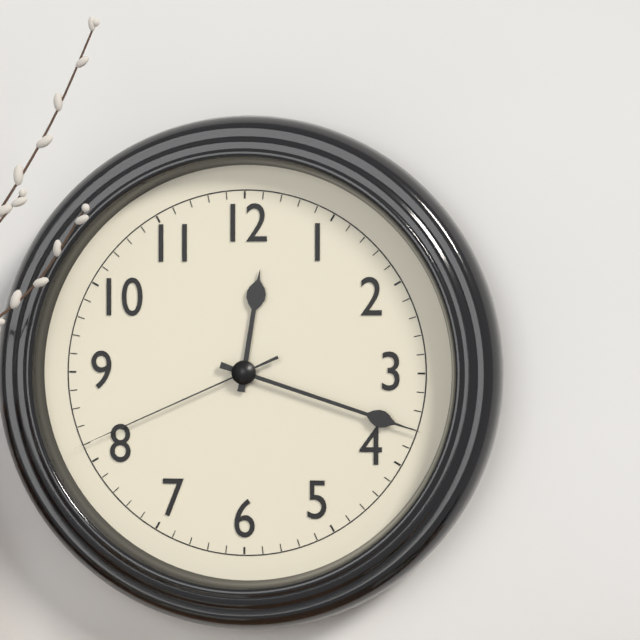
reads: 12,18,41
